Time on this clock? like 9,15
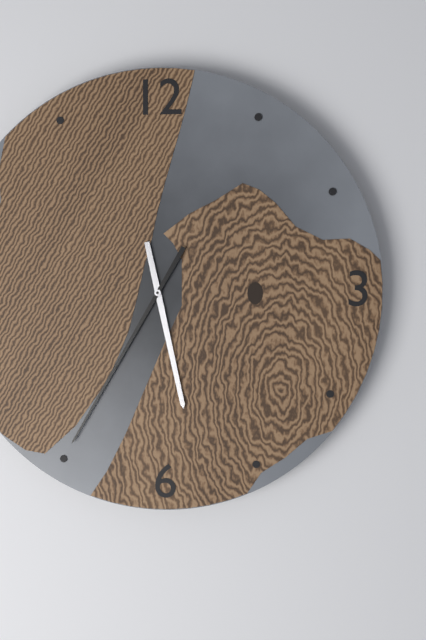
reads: 5,35
